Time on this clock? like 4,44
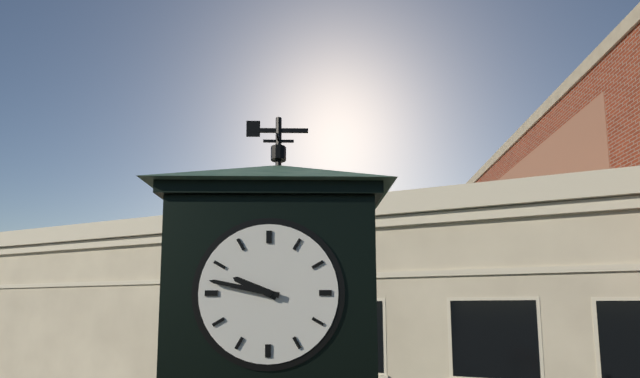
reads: 9,47
